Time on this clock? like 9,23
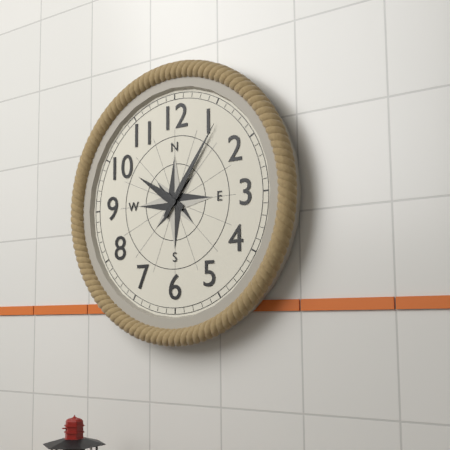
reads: 10,06
